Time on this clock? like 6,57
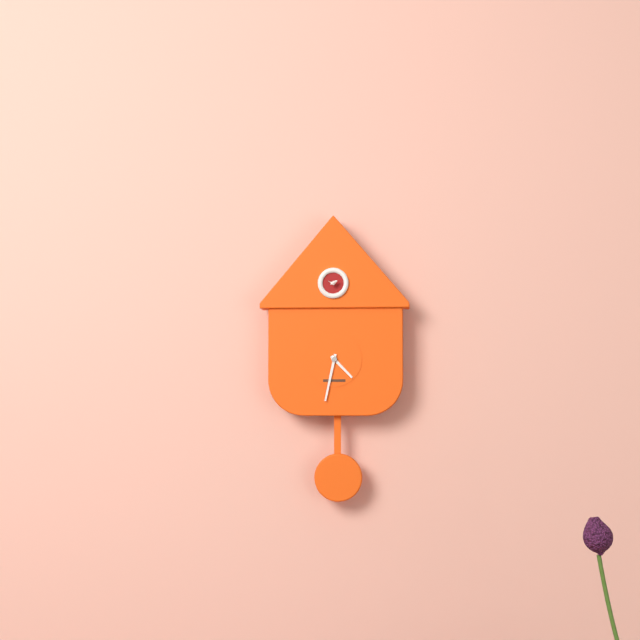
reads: 4,32
